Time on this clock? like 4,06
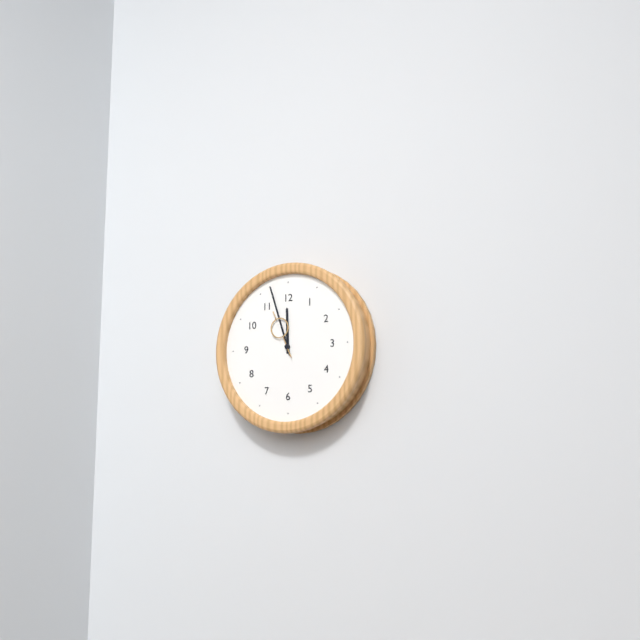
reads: 11,57
